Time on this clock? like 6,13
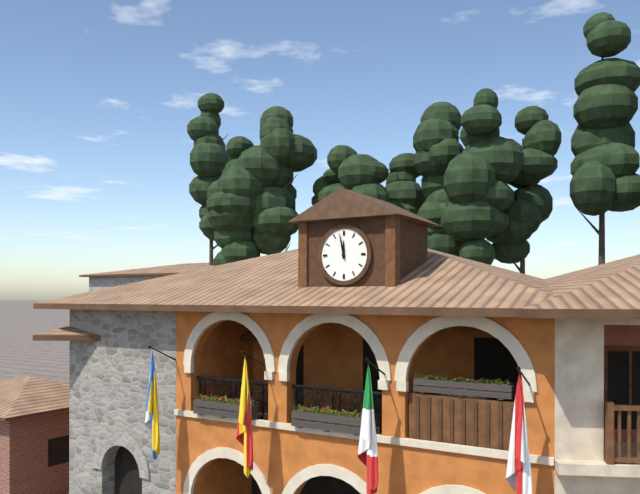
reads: 11,58
